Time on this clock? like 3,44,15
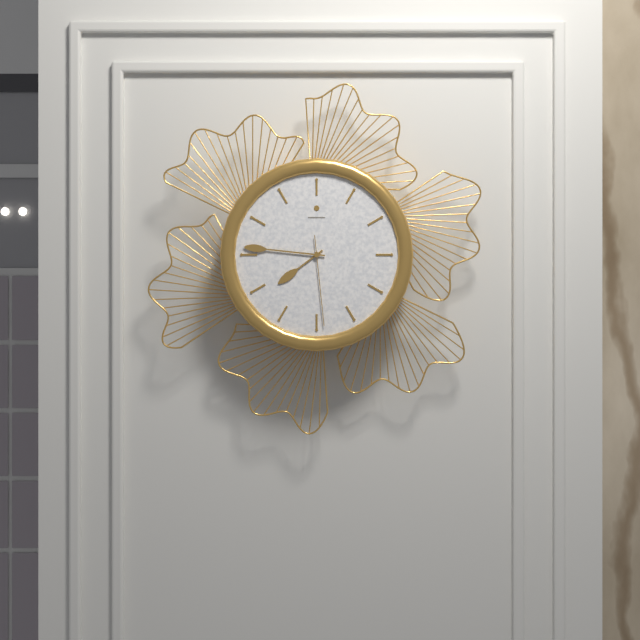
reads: 7,46,29
